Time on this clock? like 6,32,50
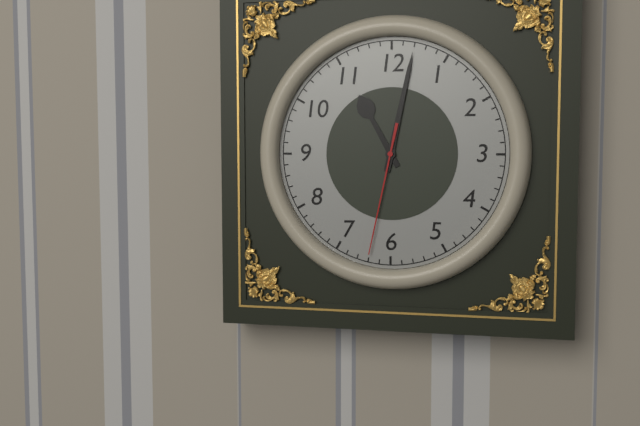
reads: 11,02,32
